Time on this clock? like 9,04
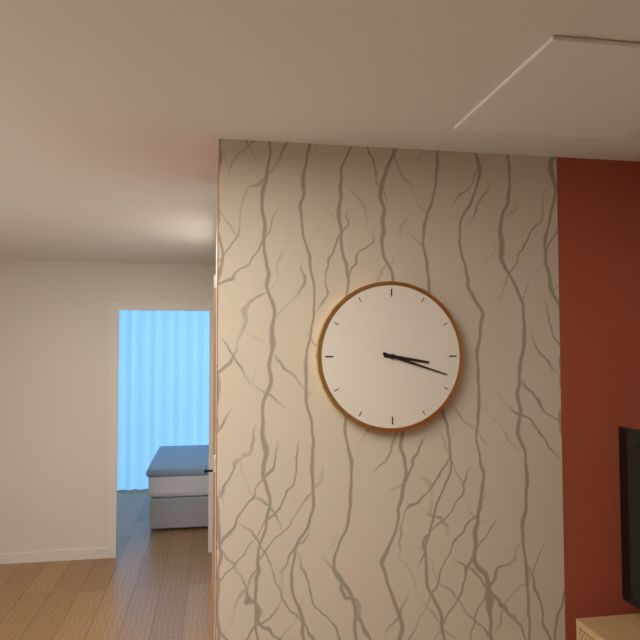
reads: 3,18
